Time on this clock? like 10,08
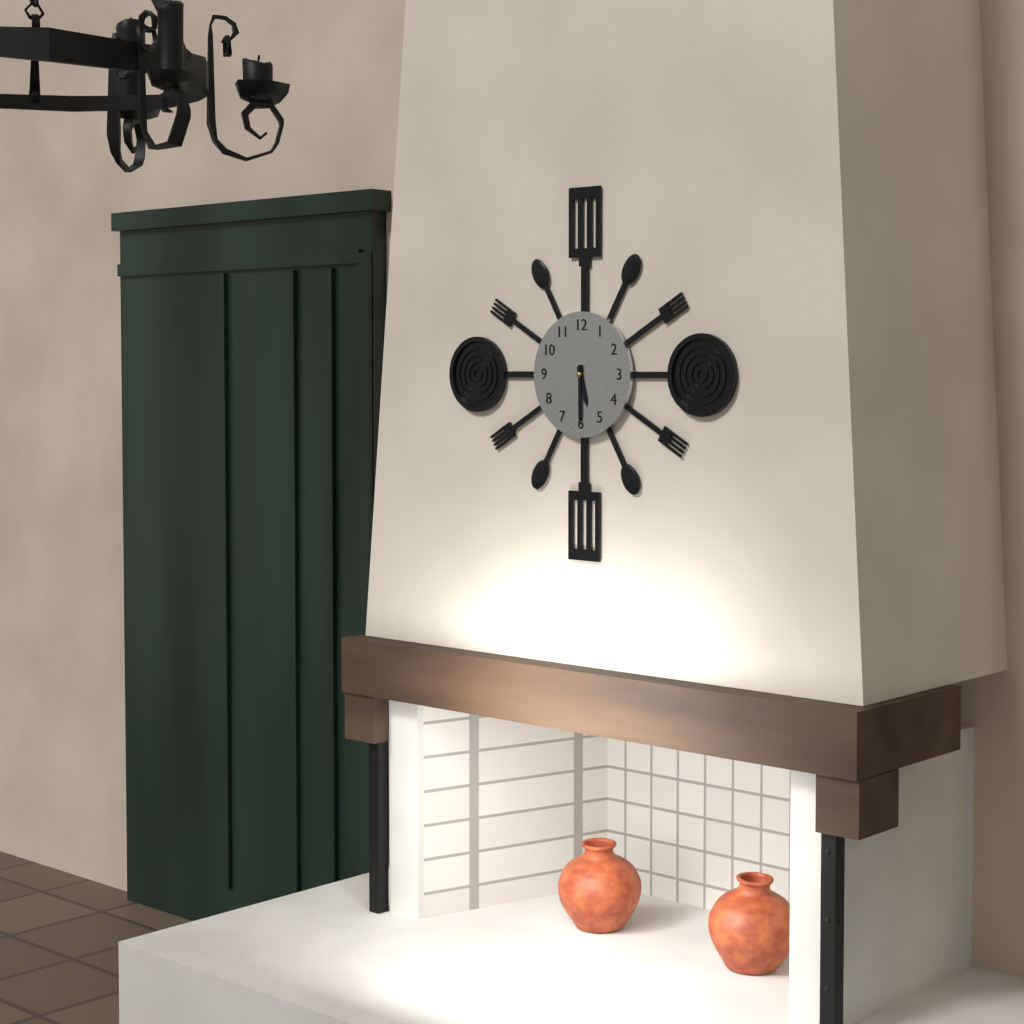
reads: 5,30
